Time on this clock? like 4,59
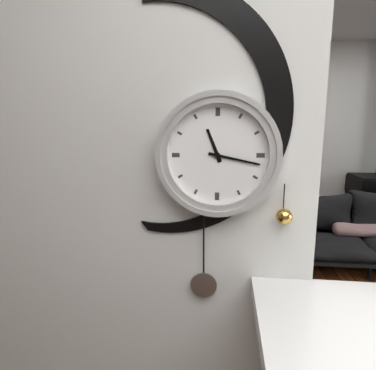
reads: 11,17
